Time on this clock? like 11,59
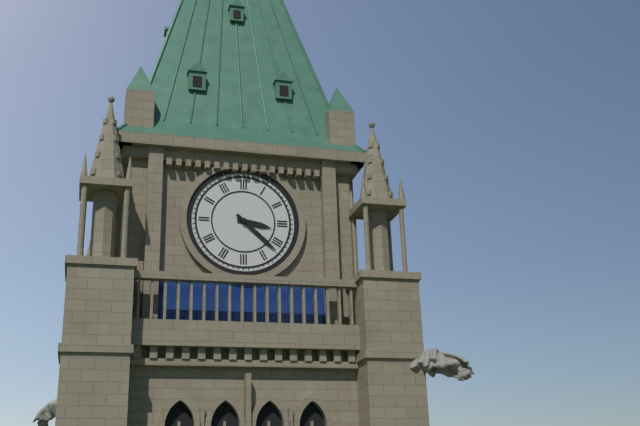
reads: 3,22
